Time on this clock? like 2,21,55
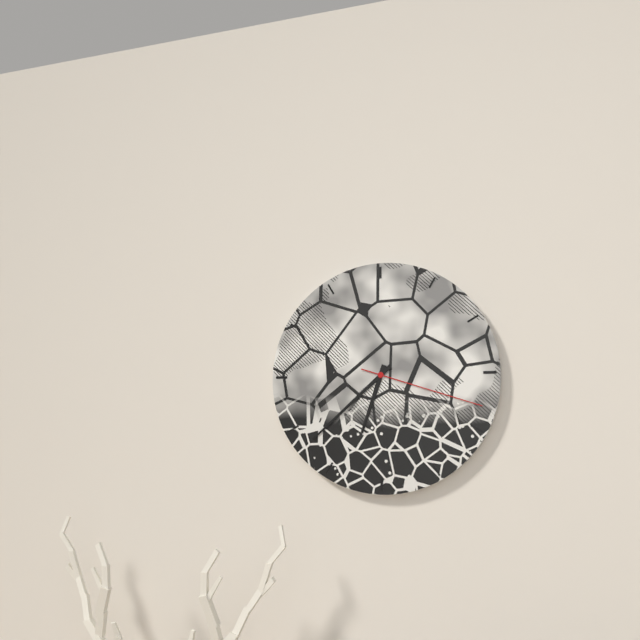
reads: 6,38,18
